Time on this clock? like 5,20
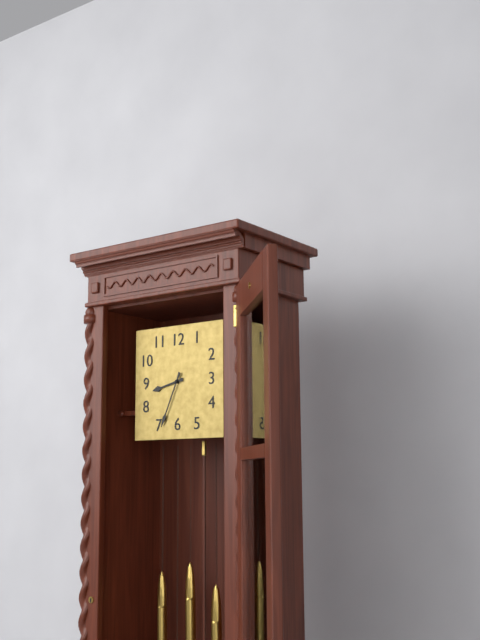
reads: 8,34
